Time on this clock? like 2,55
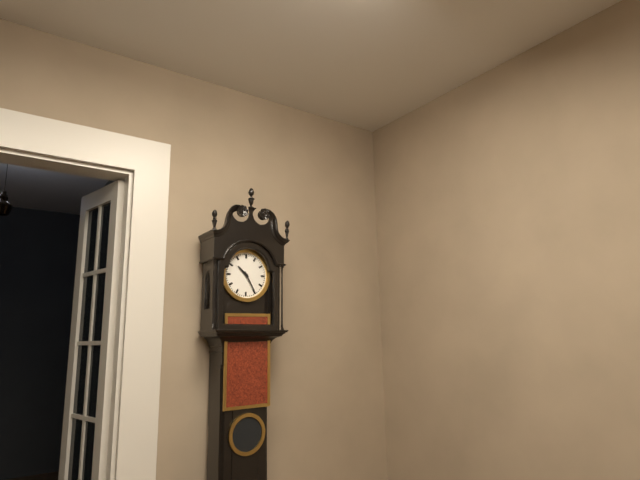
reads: 10,25
